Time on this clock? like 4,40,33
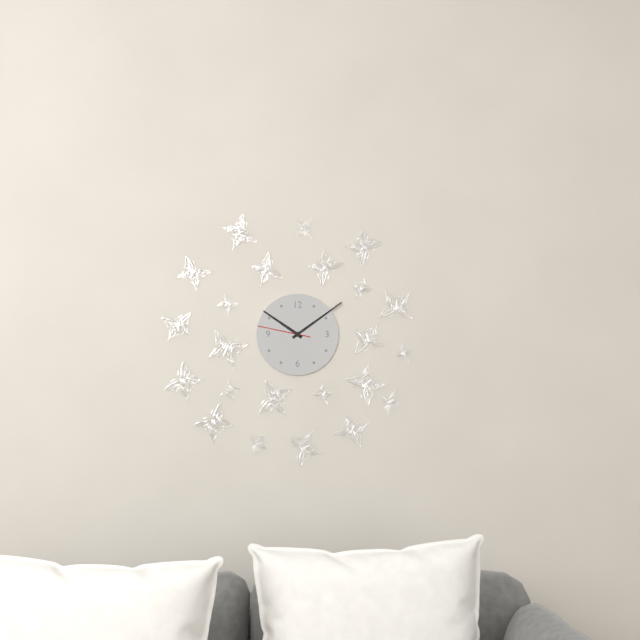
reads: 10,09,47
